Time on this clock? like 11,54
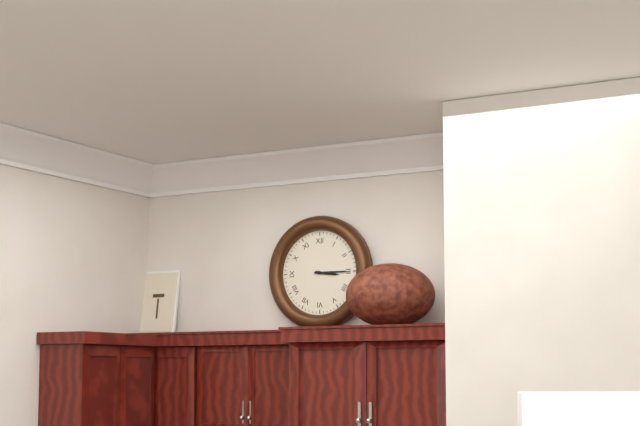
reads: 3,15
